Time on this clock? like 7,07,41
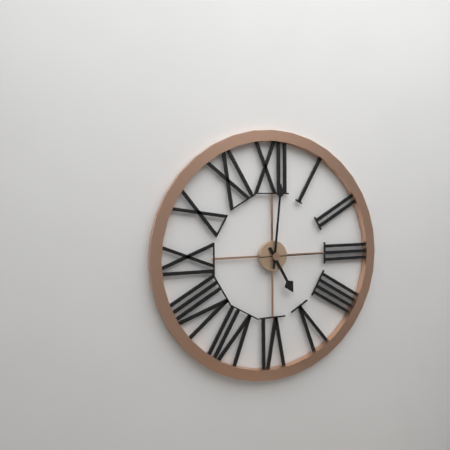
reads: 5,01,15
